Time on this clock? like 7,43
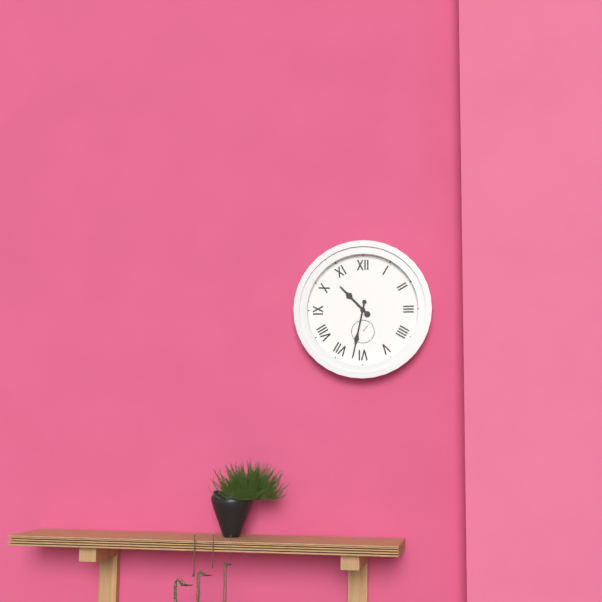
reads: 10,32
